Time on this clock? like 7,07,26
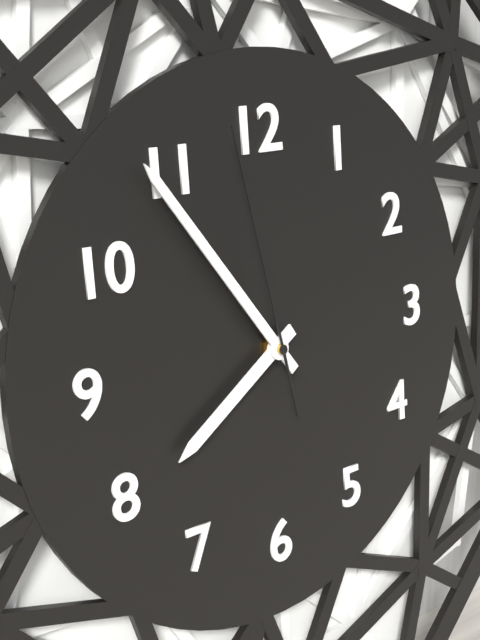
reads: 7,54,58
